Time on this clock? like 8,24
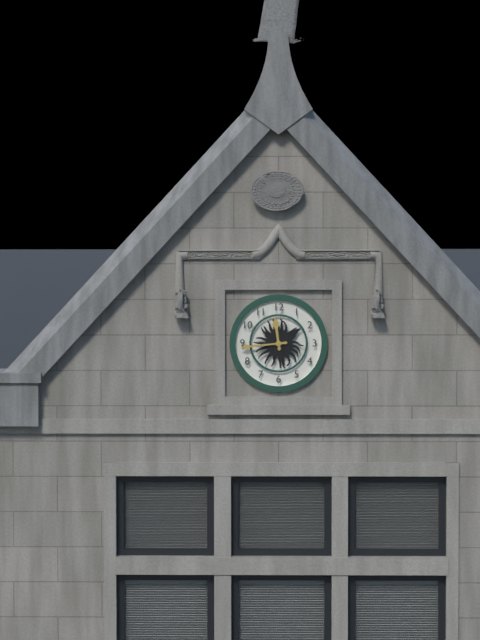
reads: 11,44
